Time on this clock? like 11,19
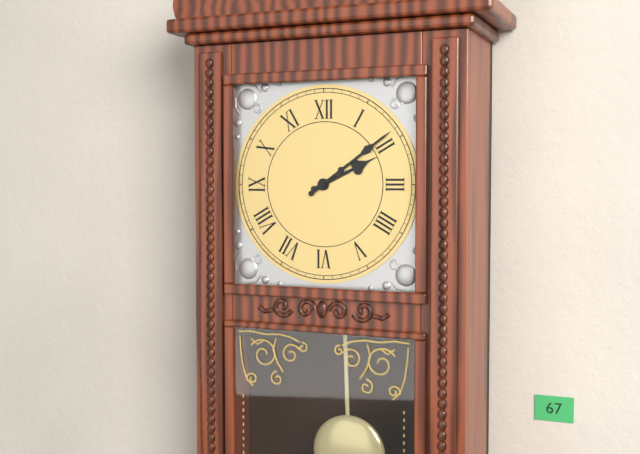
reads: 2,09
